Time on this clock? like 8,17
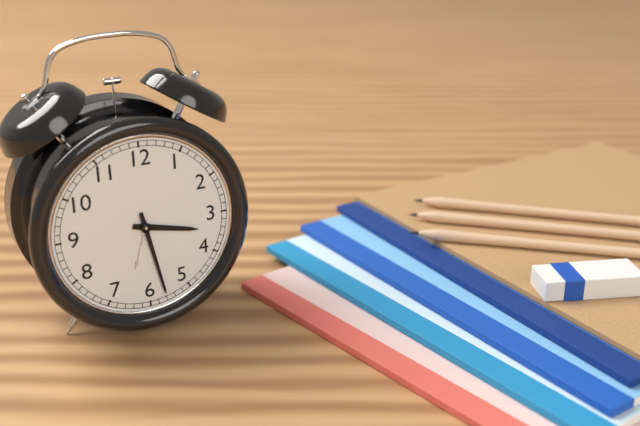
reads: 3,28
